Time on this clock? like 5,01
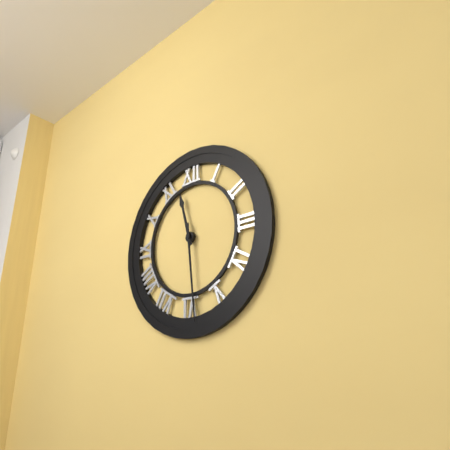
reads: 11,29
